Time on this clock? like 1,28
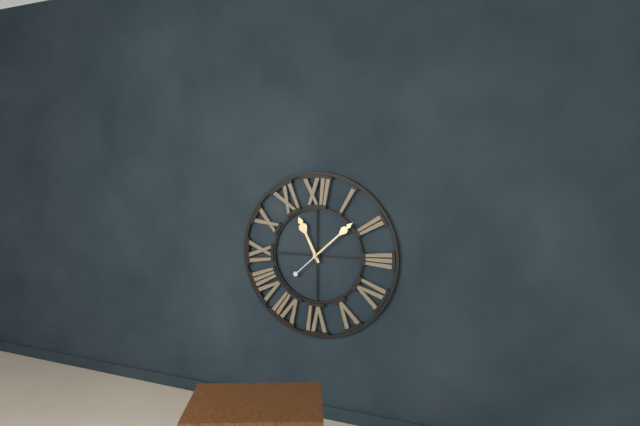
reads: 11,08
